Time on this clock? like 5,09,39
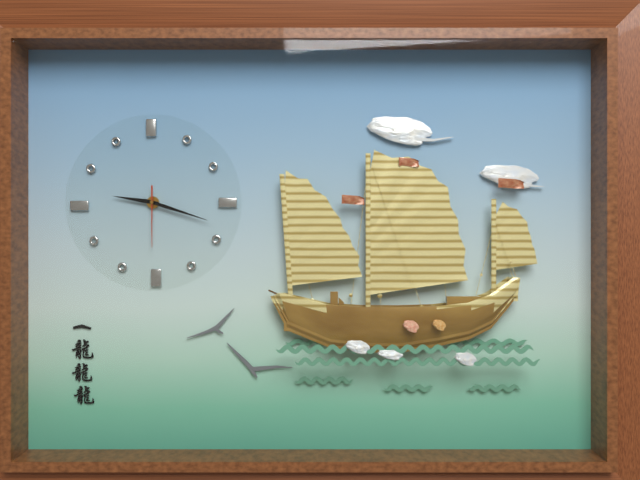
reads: 9,18,30
